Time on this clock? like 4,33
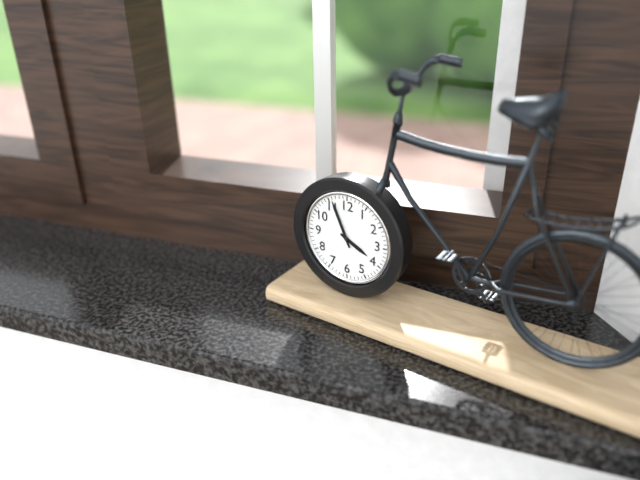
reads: 3,56
